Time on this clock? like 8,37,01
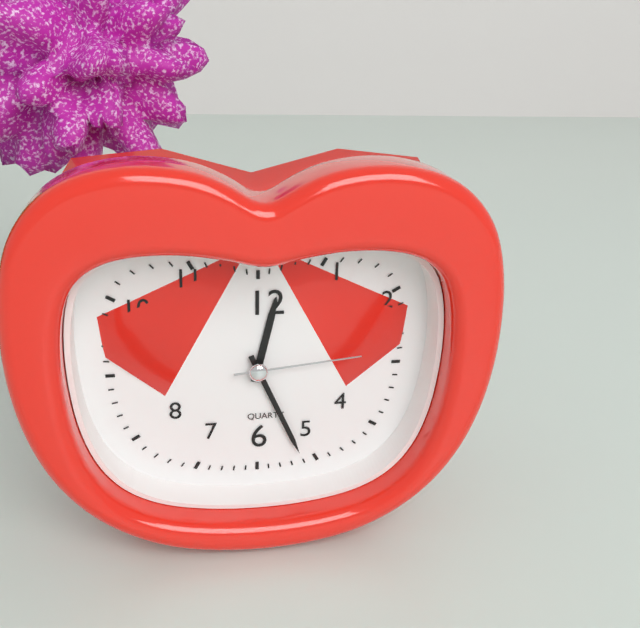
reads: 12,26,14
